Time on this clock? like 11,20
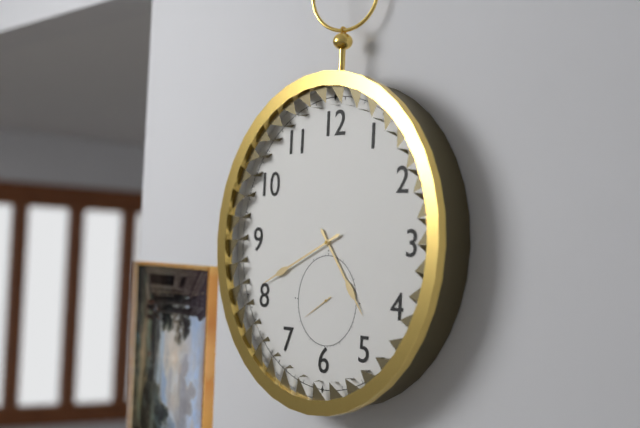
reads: 4,41
